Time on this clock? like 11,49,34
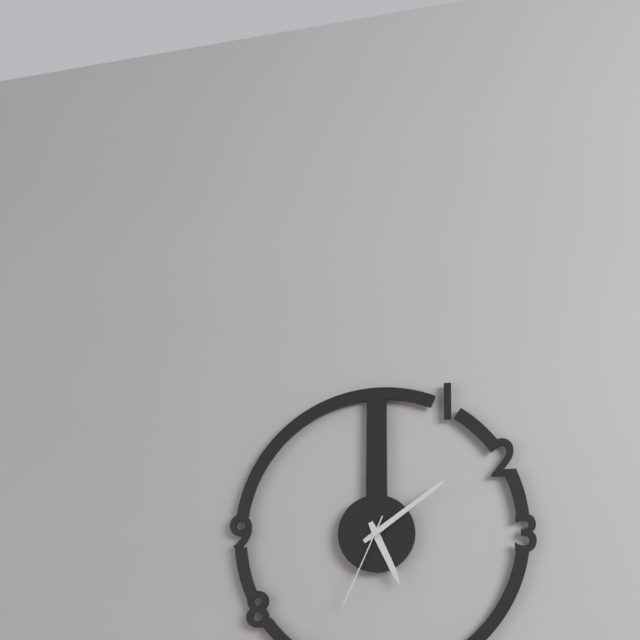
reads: 5,09,34
